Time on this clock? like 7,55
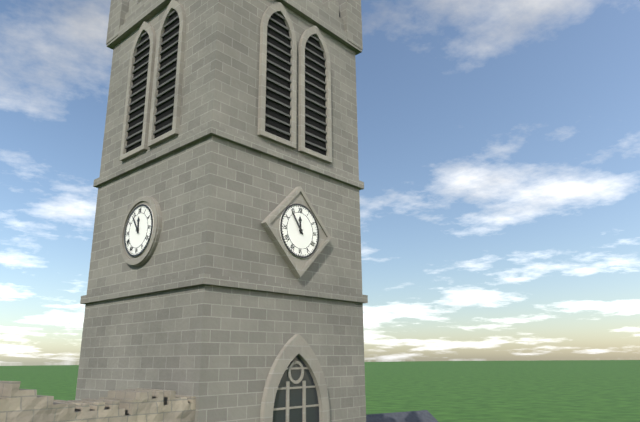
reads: 11,54
